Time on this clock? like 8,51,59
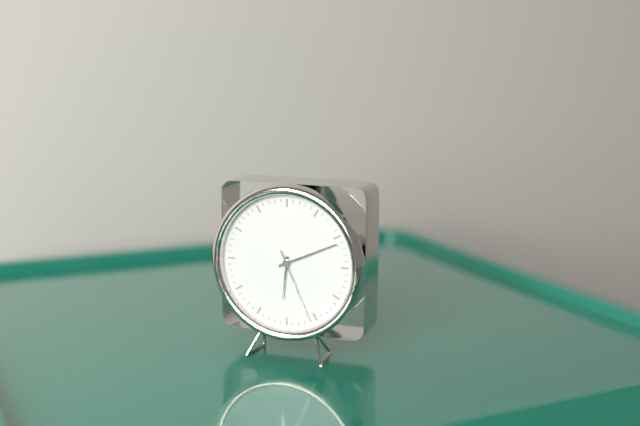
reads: 6,11,26
